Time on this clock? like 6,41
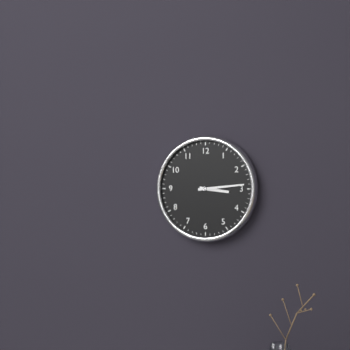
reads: 3,14
